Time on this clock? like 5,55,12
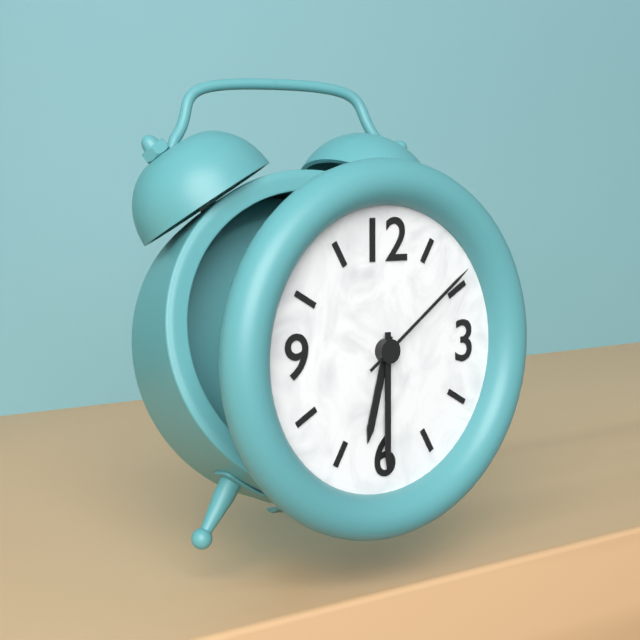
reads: 6,30,09
